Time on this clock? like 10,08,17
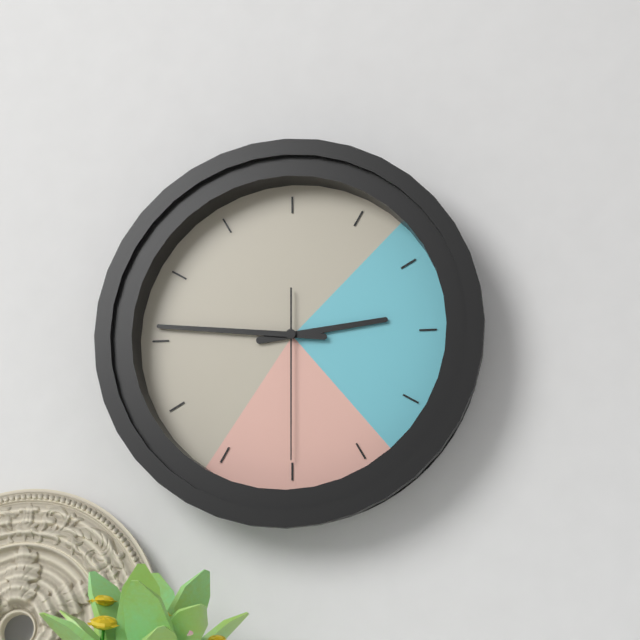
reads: 2,46,30
